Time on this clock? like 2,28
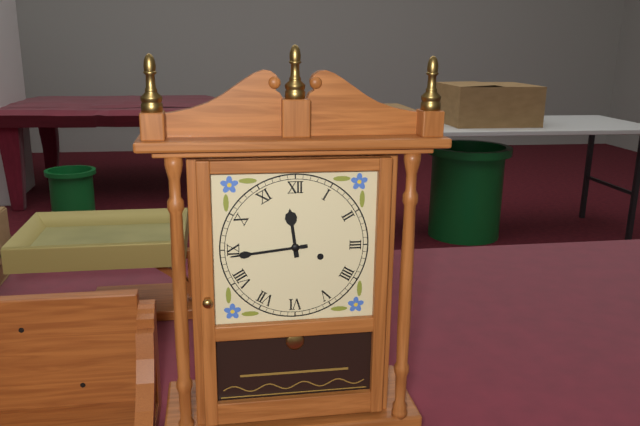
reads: 11,44
